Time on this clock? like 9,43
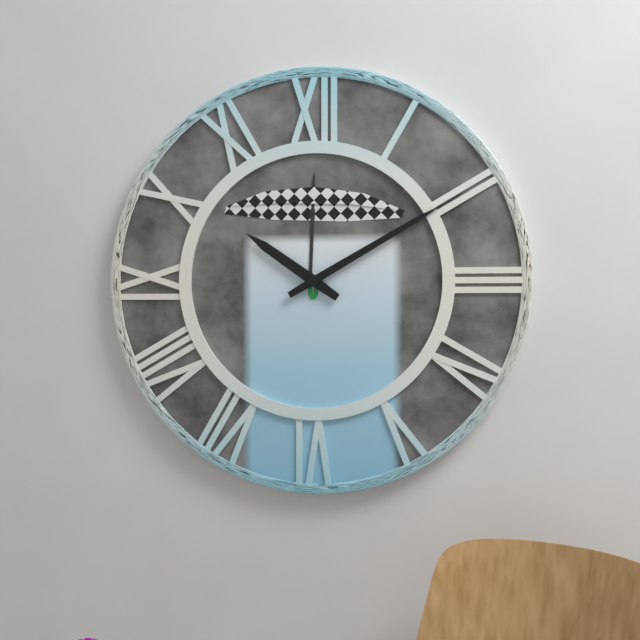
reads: 10,10
